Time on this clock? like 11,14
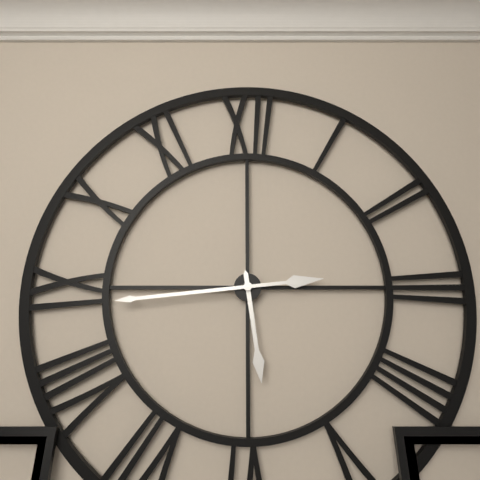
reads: 5,44
